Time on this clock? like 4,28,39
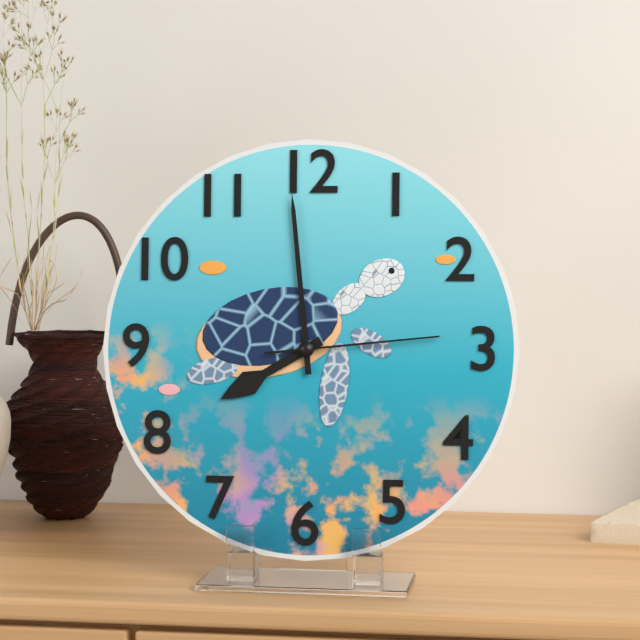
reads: 7,59,14
